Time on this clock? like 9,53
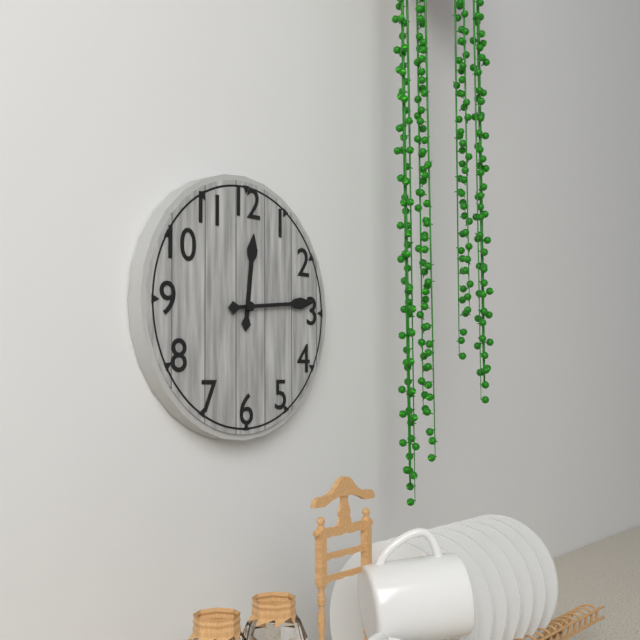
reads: 12,14
